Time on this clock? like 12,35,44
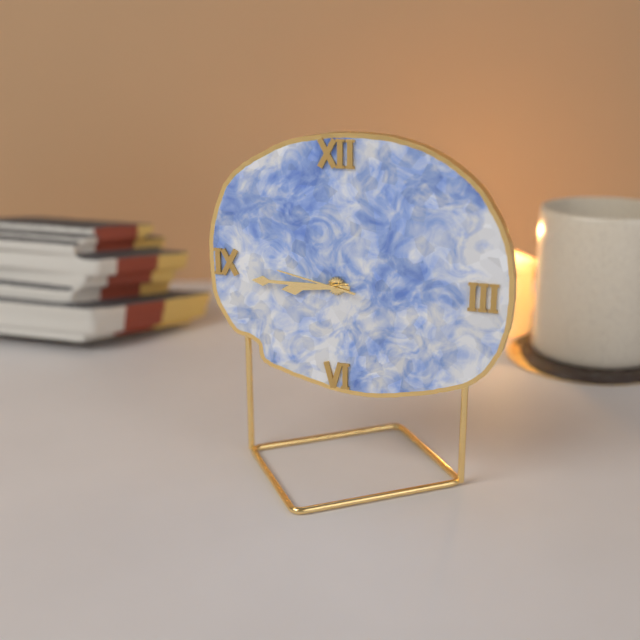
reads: 8,45,47
